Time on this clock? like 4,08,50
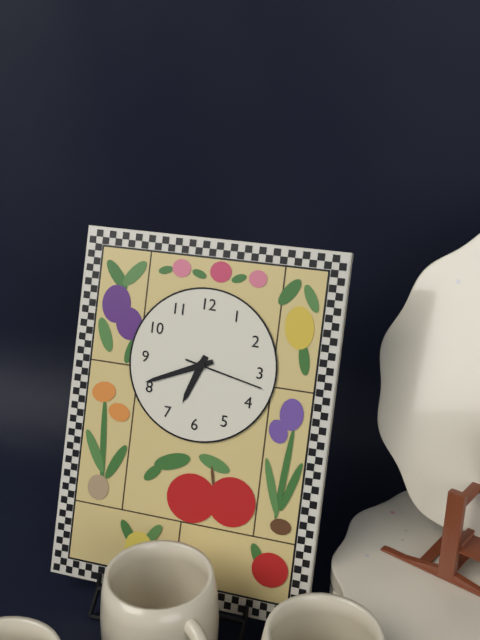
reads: 6,41,17
